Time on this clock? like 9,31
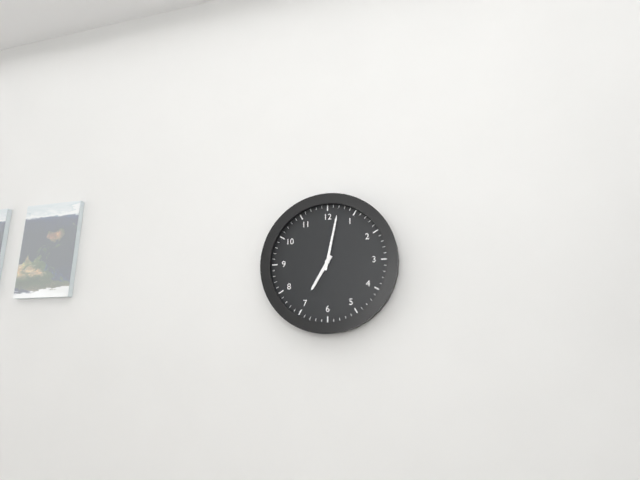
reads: 7,02
